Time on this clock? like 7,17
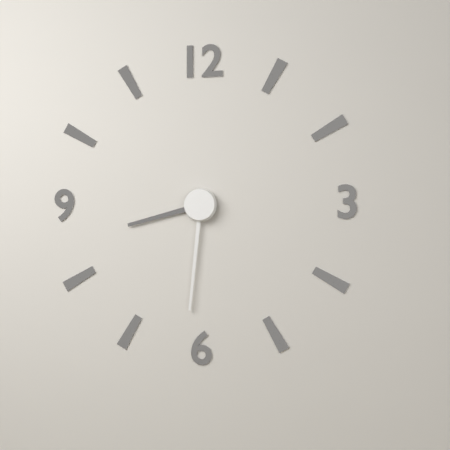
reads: 8,31
